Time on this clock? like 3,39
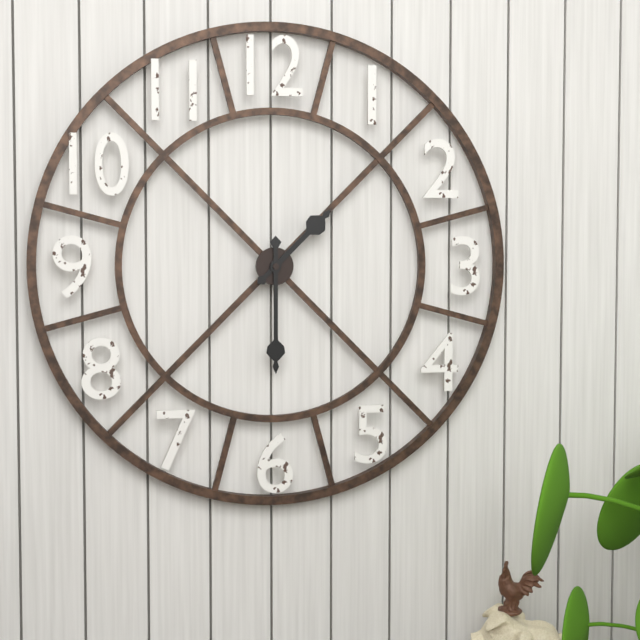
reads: 1,30
